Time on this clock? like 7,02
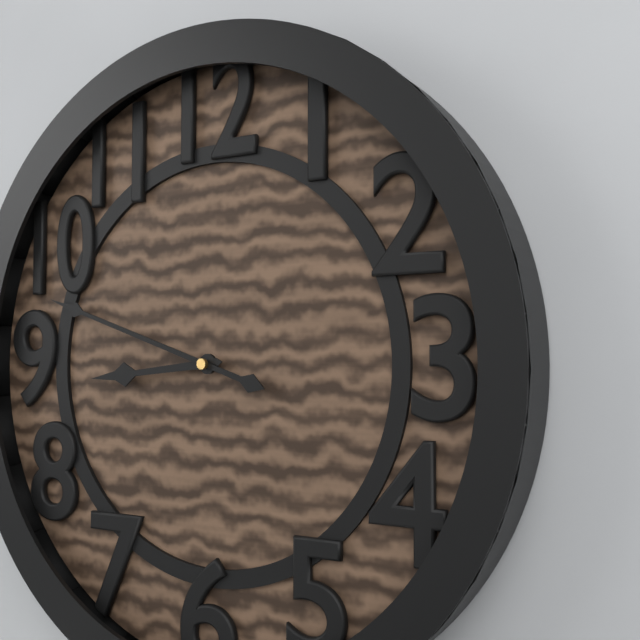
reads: 8,48
